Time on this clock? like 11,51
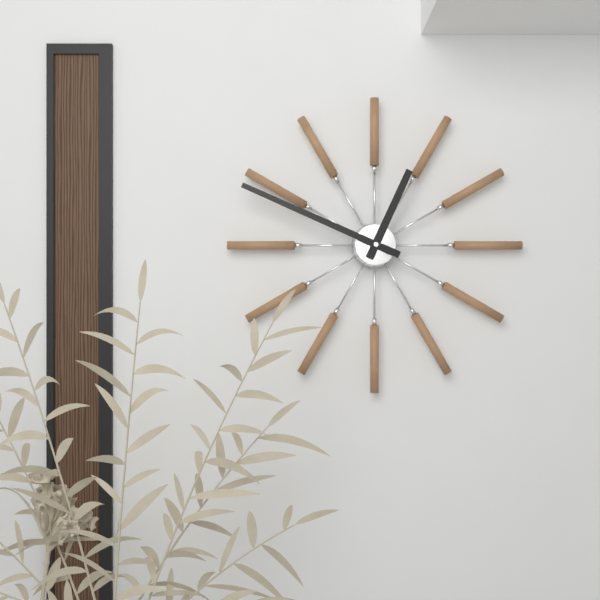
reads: 12,49
